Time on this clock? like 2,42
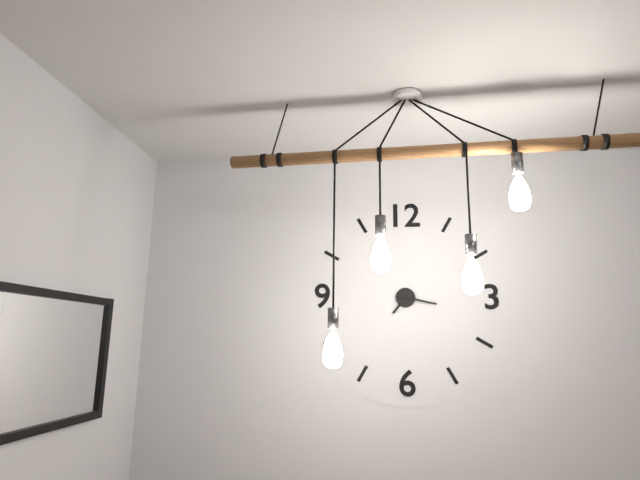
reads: 7,17
